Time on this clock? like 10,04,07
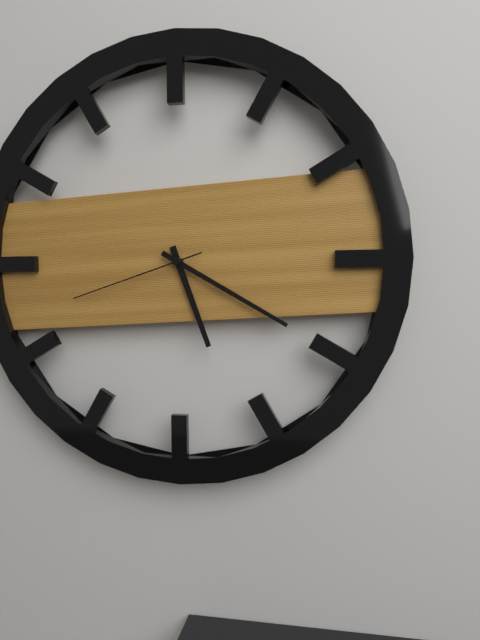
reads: 5,20,42
